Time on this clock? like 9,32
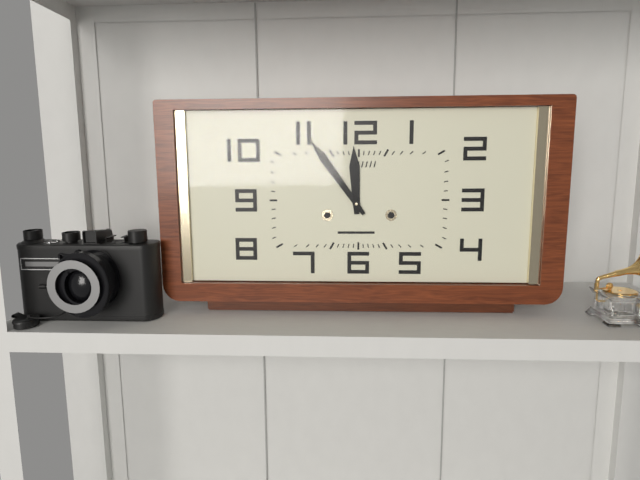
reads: 11,54
